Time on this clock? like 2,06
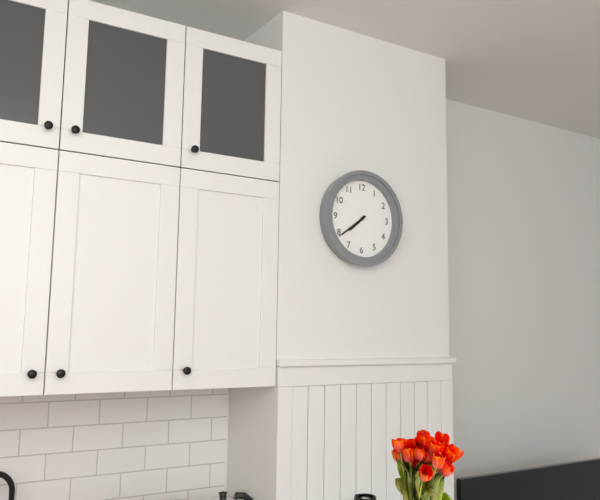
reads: 7,39
